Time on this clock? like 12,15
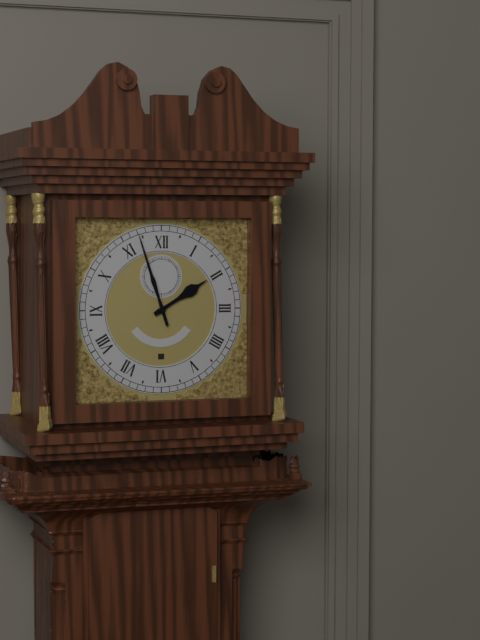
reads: 1,57
